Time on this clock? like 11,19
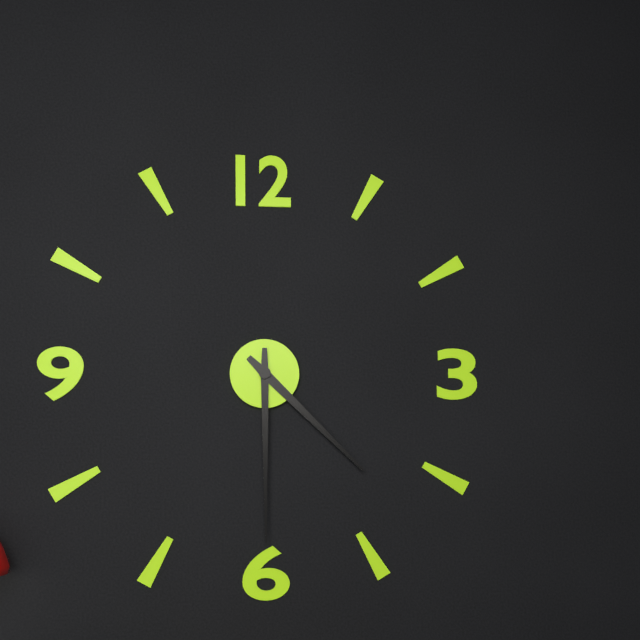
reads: 4,30
